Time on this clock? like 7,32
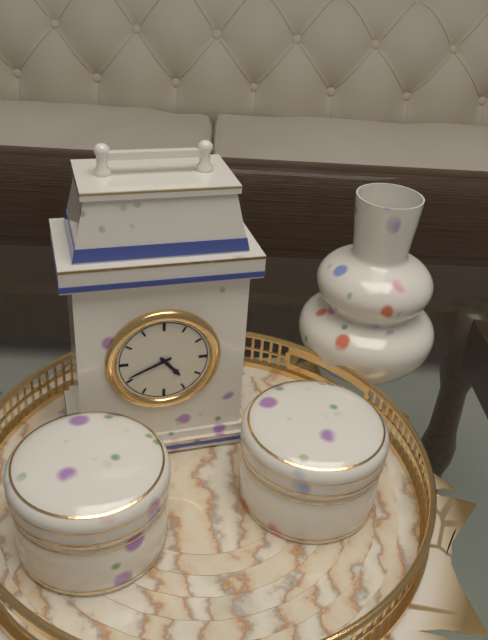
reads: 4,41
